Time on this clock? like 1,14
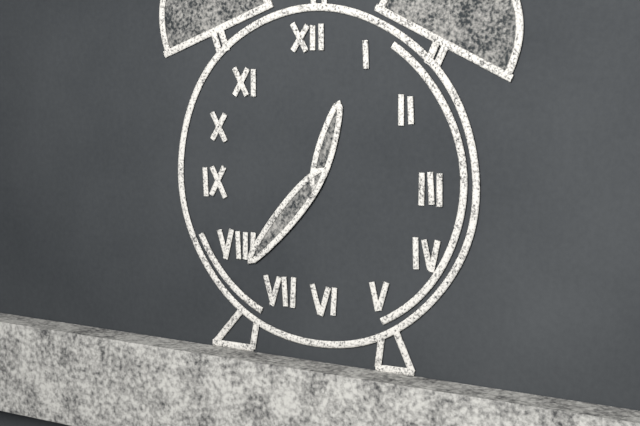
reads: 12,37
